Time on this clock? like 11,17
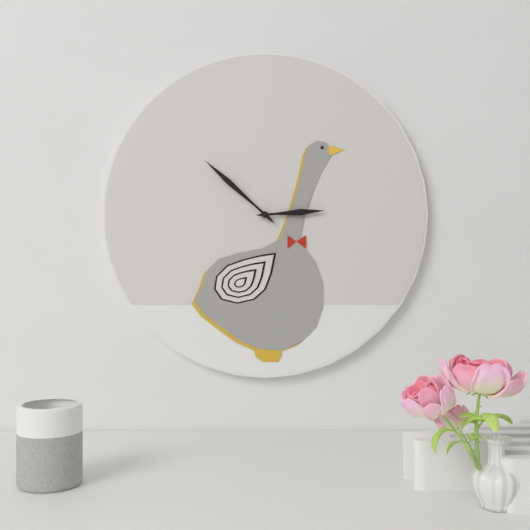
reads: 2,52
